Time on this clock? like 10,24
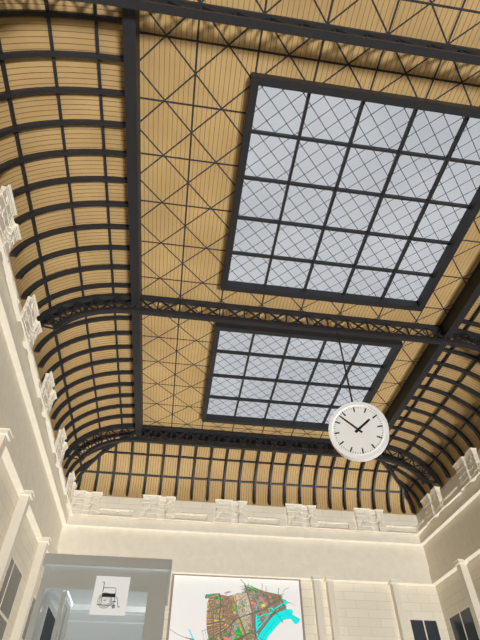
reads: 1,53
